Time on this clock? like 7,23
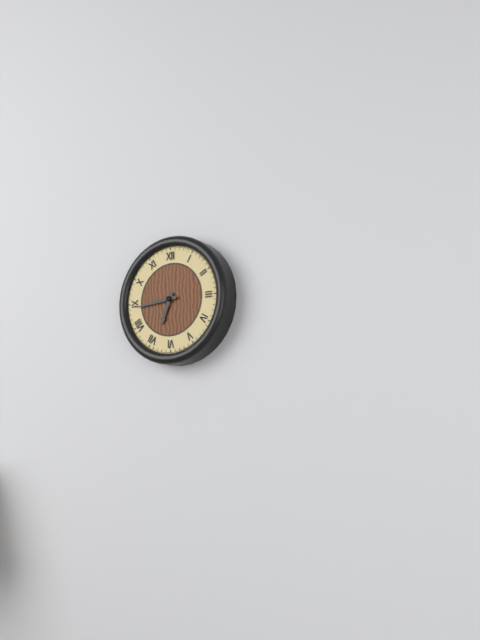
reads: 6,44
